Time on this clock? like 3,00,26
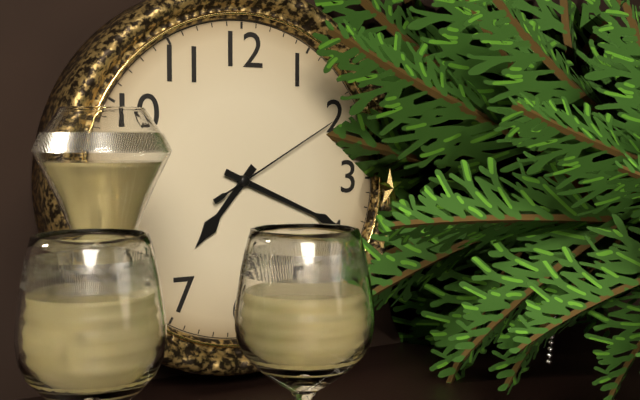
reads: 7,19,10
